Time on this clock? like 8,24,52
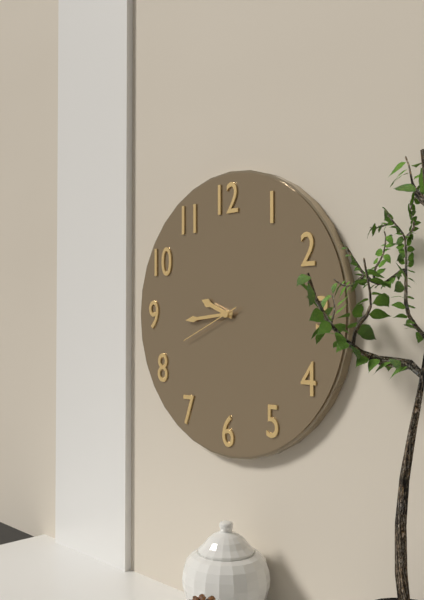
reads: 9,44,41
